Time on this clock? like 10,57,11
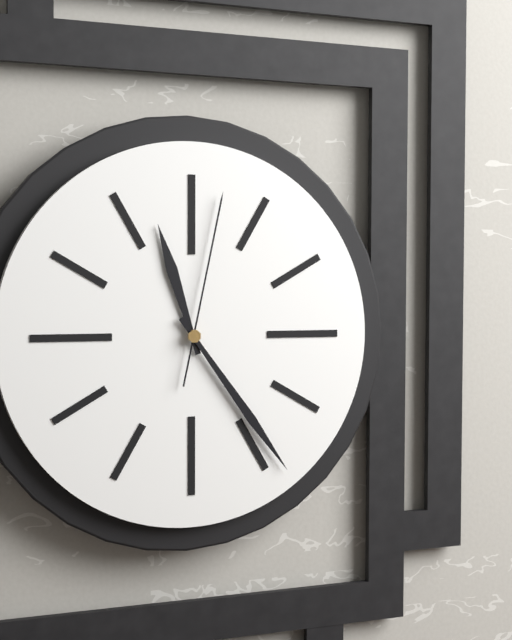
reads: 11,24,02
